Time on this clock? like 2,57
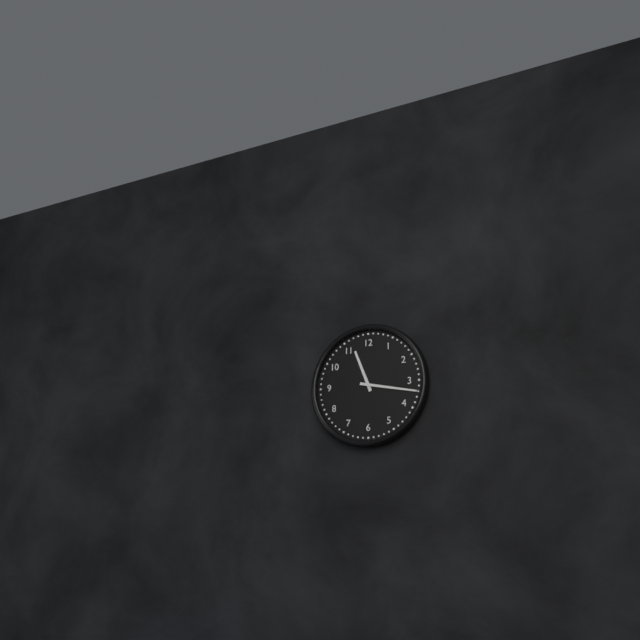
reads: 11,17
